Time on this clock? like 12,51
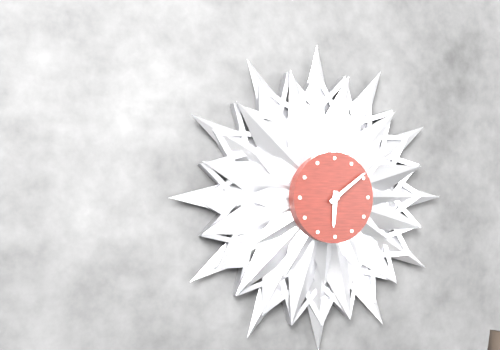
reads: 6,09
